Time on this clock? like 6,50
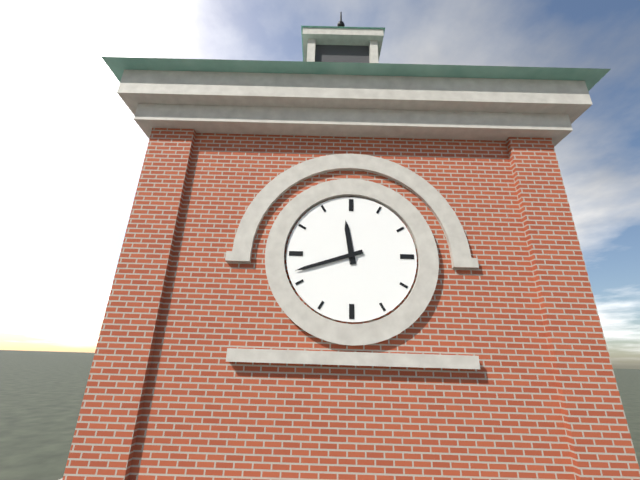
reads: 11,42
